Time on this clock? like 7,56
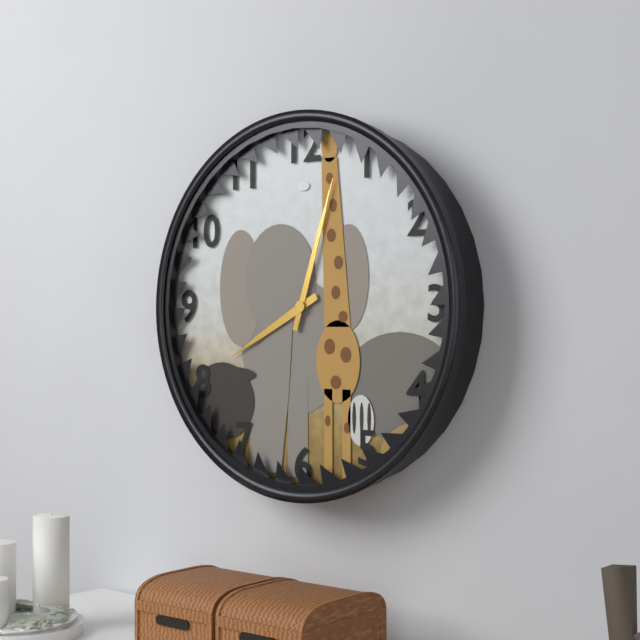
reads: 8,03
